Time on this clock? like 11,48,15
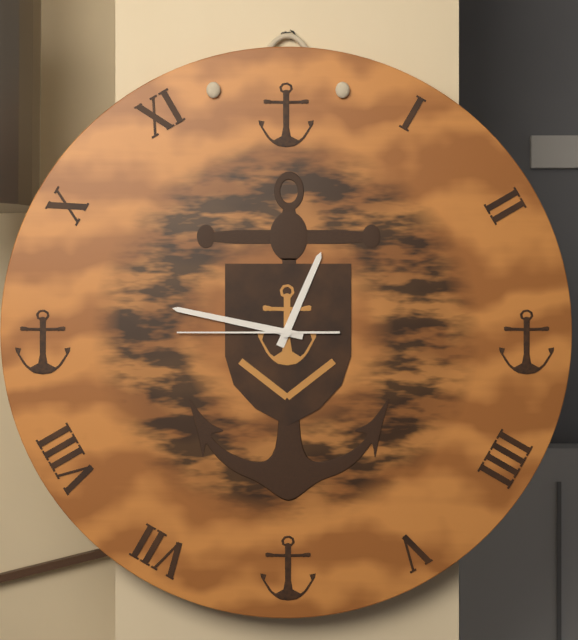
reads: 12,47,45
